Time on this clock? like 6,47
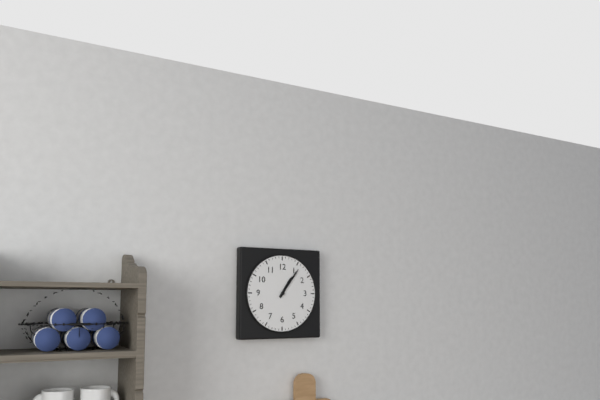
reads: 1,06
